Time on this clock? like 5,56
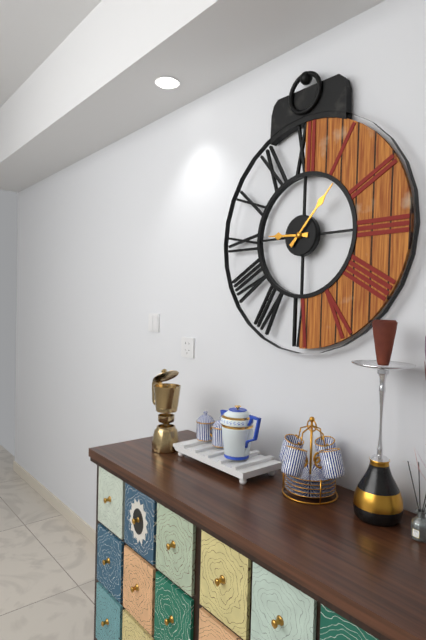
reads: 9,07
